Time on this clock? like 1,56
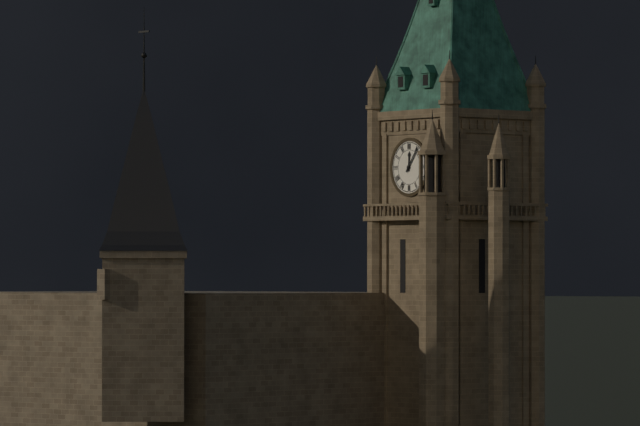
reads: 12,06
